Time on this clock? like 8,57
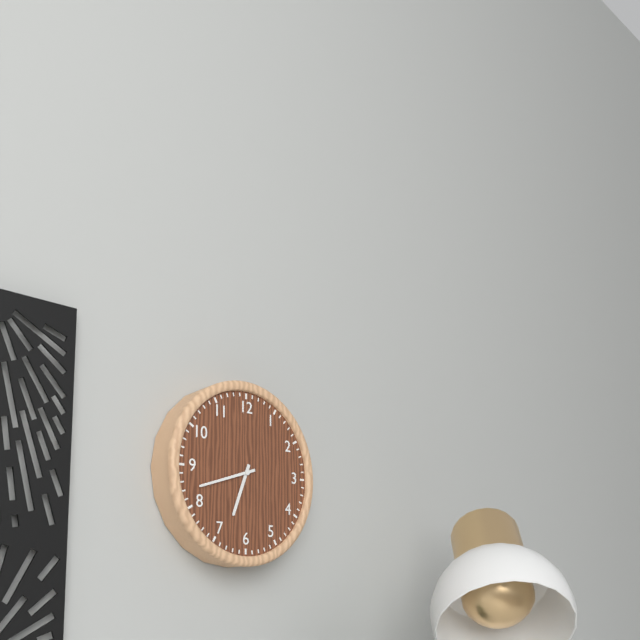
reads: 6,42
